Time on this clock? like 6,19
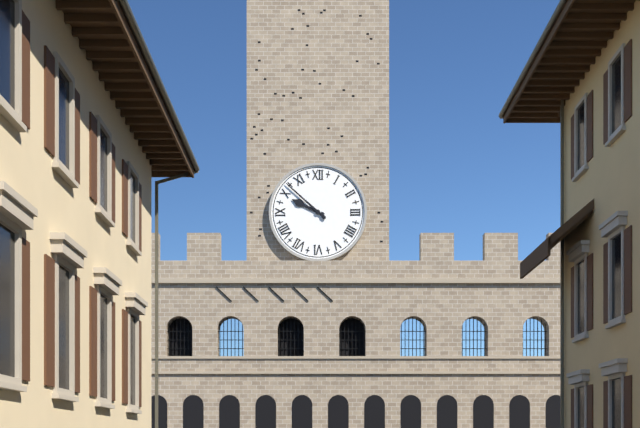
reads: 9,52
